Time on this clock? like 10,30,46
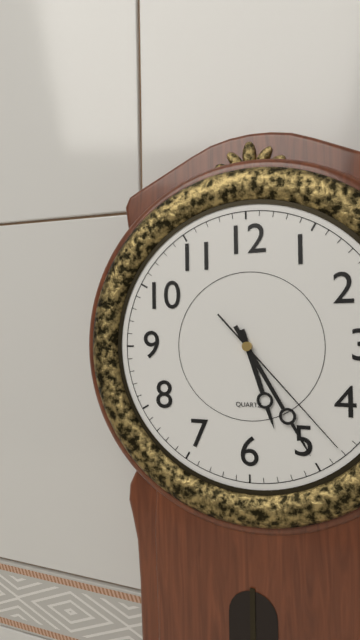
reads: 5,25,23
